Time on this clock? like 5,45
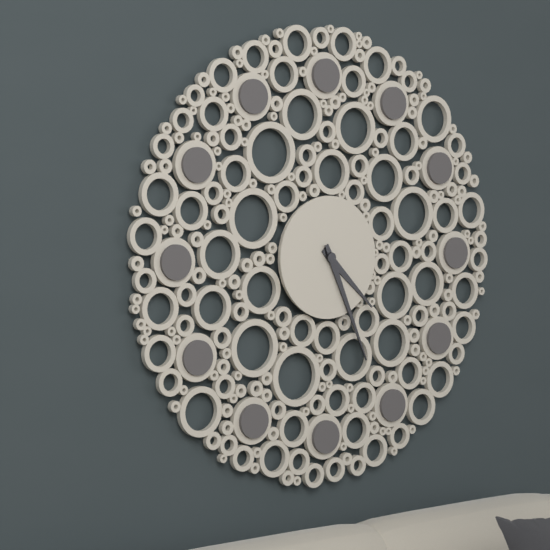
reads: 4,26
